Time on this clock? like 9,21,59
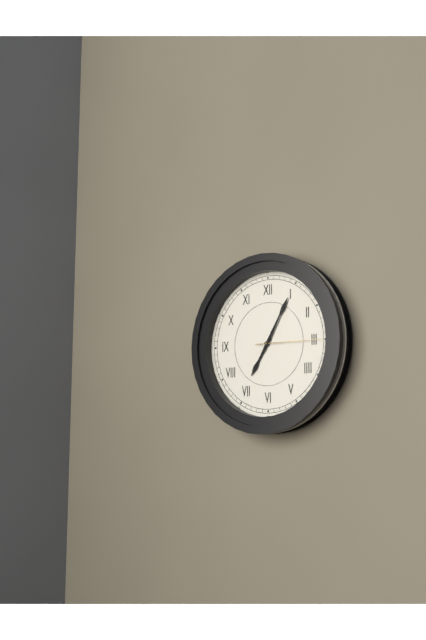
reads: 7,05,15
